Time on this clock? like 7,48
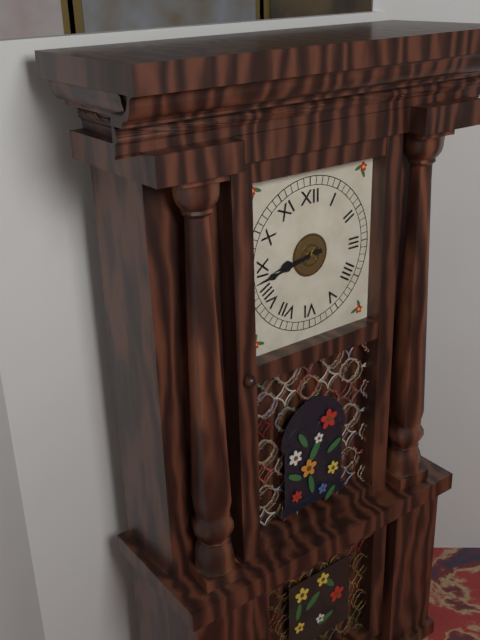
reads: 8,43
